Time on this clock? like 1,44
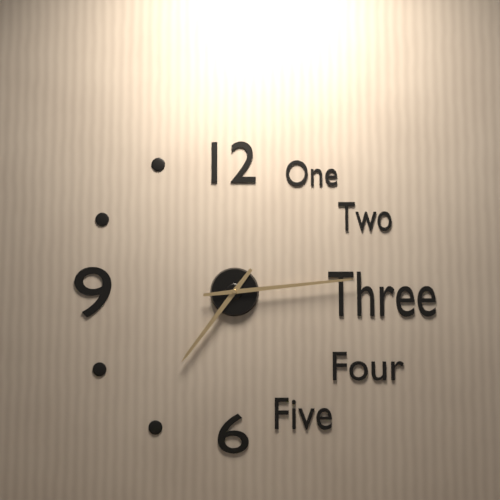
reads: 7,14
